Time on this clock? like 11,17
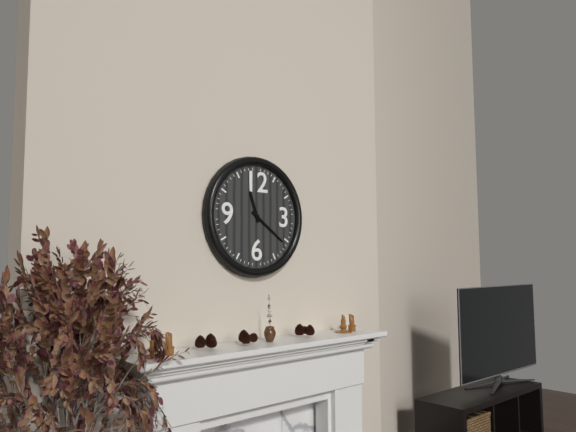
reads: 11,21
